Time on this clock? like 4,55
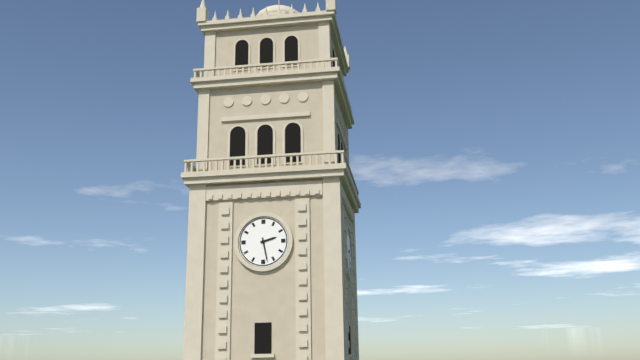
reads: 2,28
